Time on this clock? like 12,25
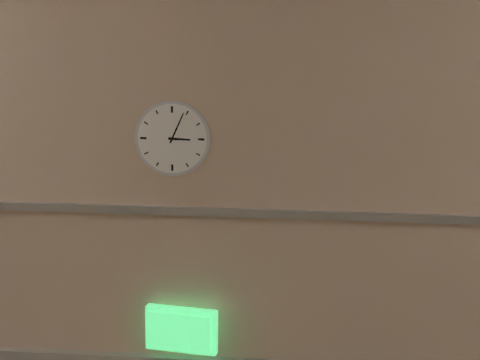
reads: 3,04
